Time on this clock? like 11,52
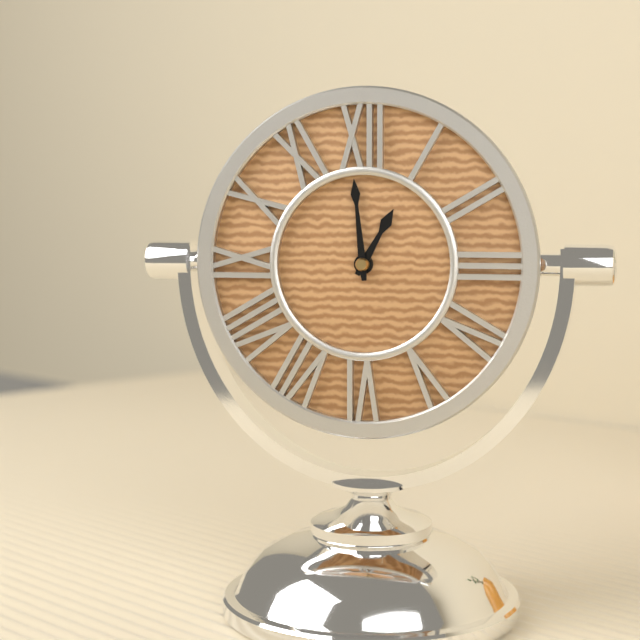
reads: 12,59
